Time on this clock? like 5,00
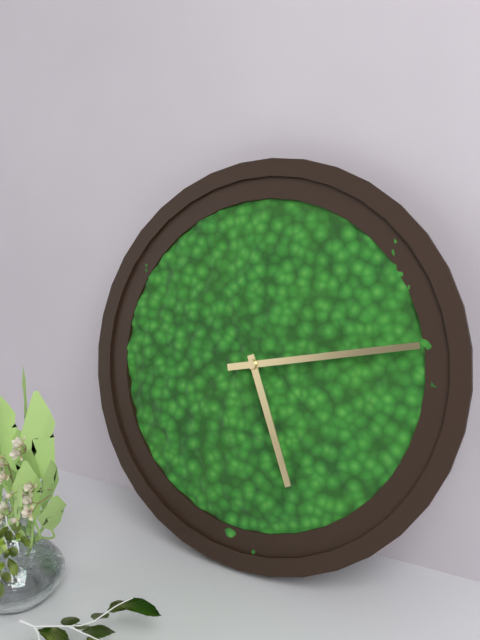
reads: 5,13
